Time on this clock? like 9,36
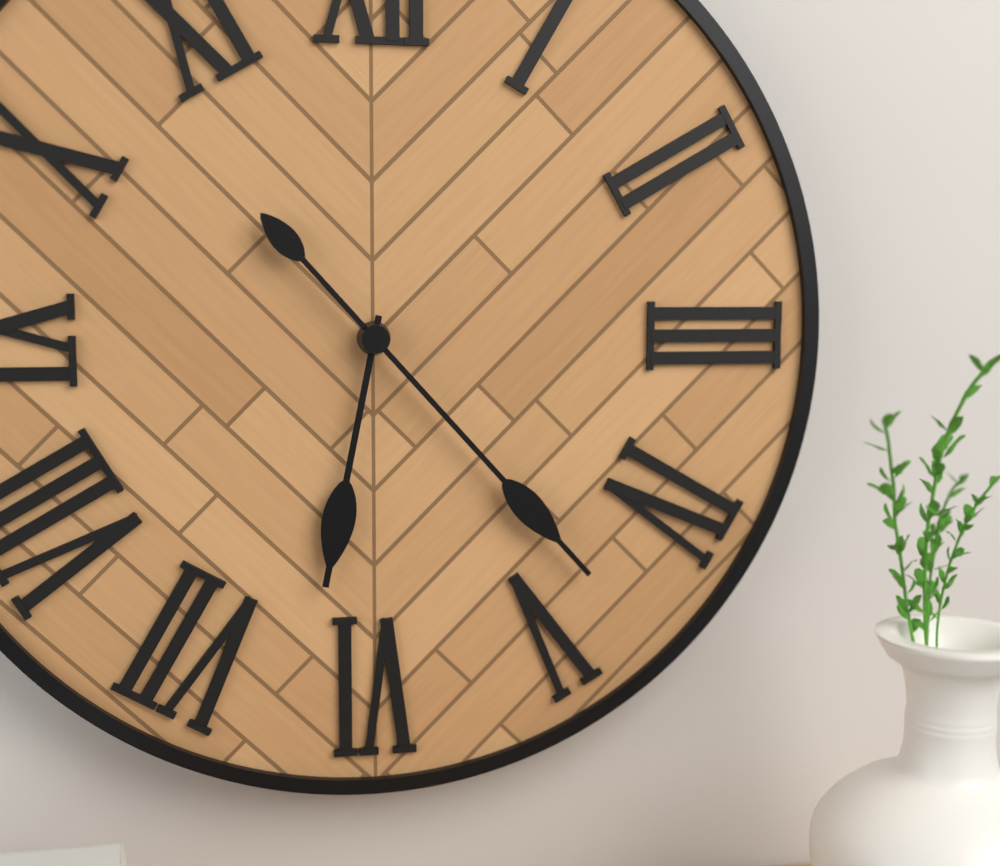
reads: 6,23
